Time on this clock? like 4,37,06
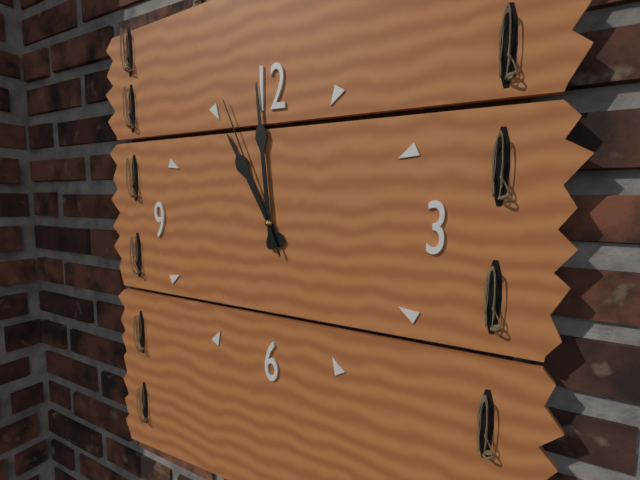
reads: 10,59,56
